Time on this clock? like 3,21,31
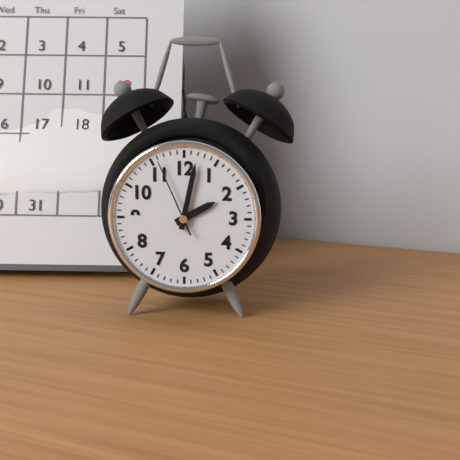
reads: 2,02,56
